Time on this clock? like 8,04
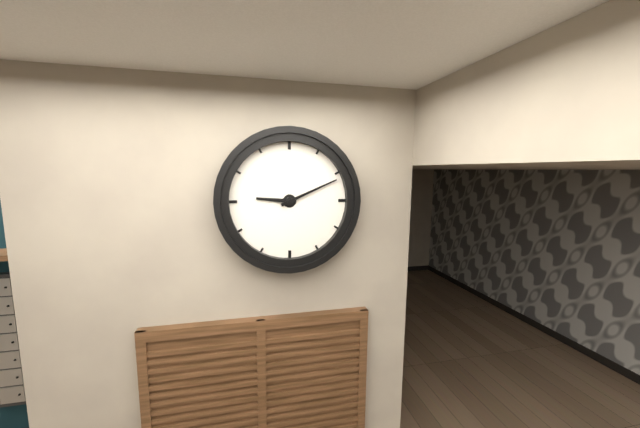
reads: 9,11
